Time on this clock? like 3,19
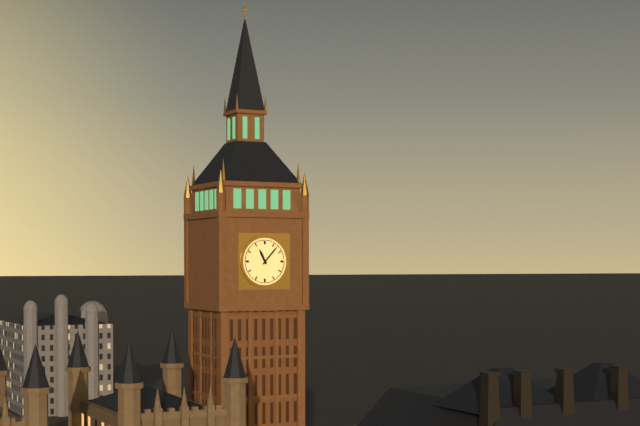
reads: 11,07
